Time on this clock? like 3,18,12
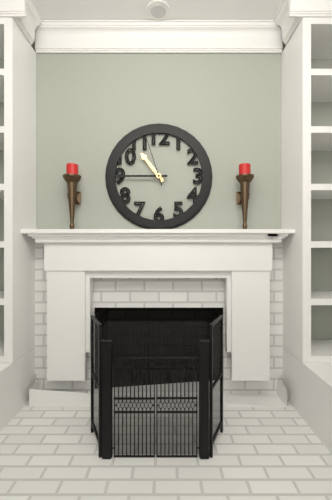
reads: 10,45,57
